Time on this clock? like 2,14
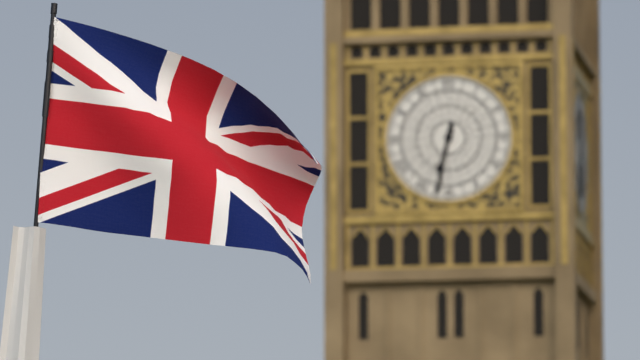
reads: 6,32
